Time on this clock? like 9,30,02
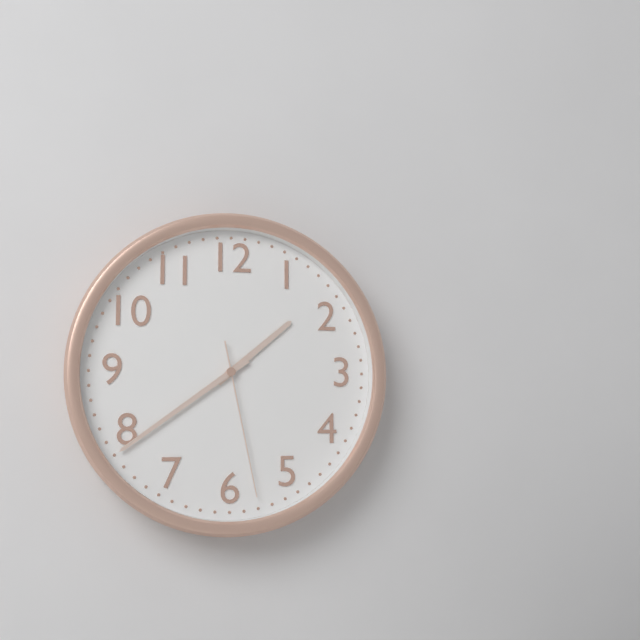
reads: 1,39,28
